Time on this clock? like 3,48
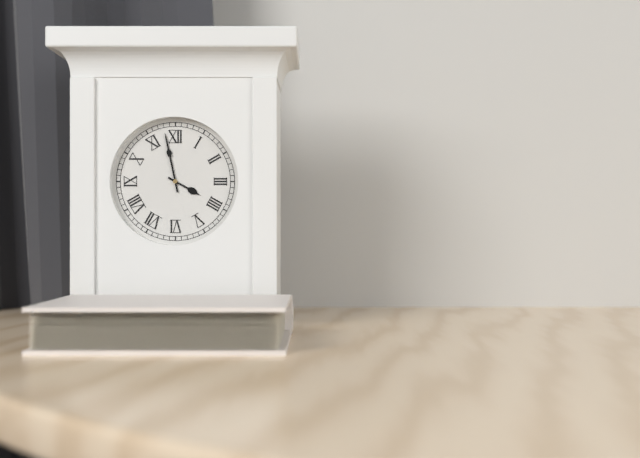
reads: 3,58
